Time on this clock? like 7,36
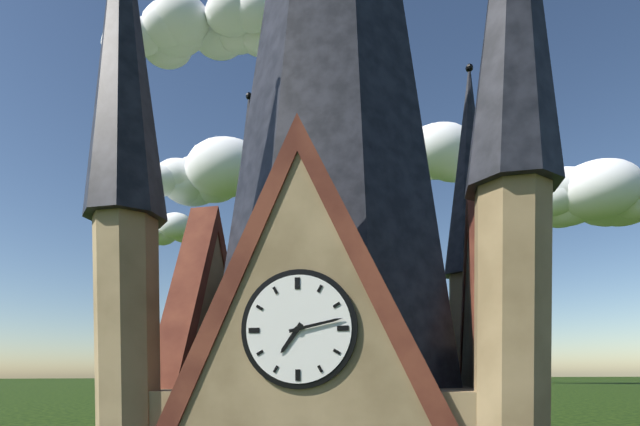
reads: 7,13
